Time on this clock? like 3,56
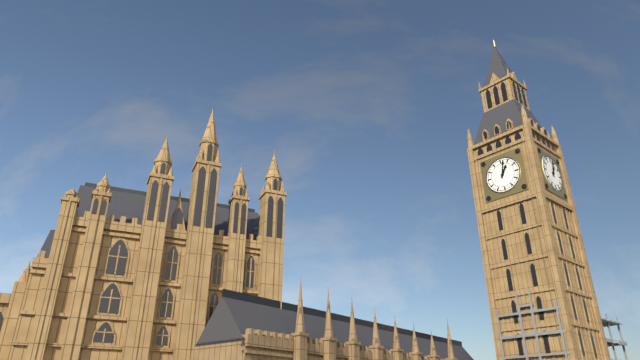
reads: 1,02
